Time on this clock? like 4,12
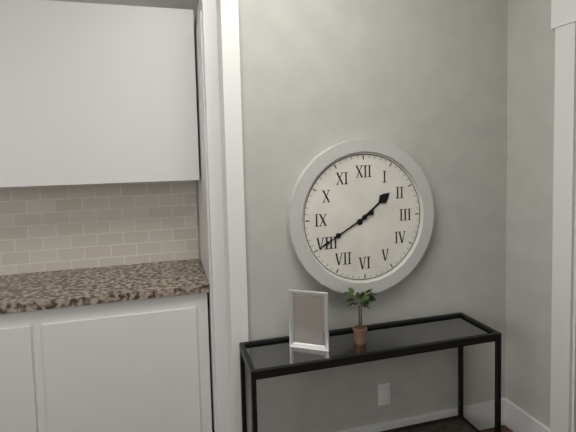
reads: 1,40
